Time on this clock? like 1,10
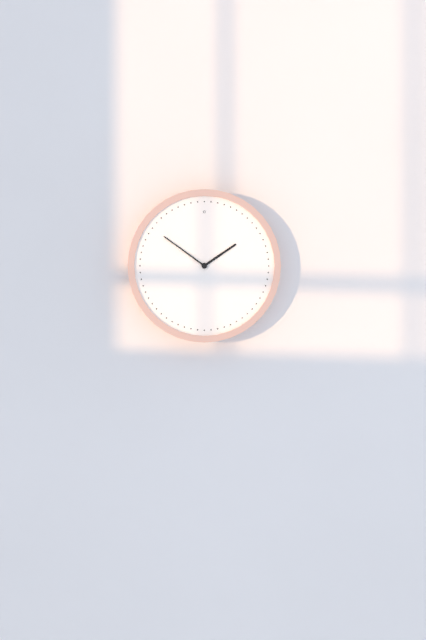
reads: 1,51
